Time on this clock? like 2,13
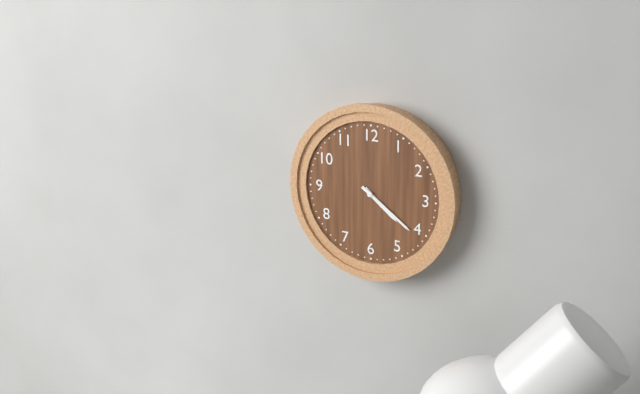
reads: 4,21
